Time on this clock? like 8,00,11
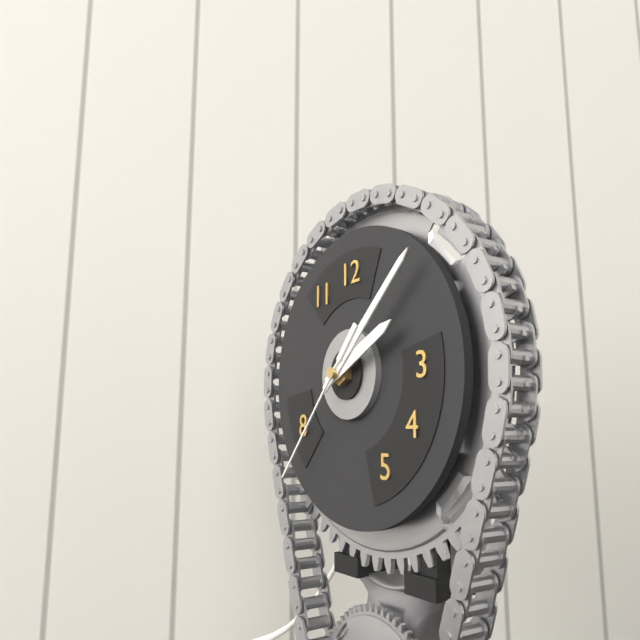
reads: 2,08,37
